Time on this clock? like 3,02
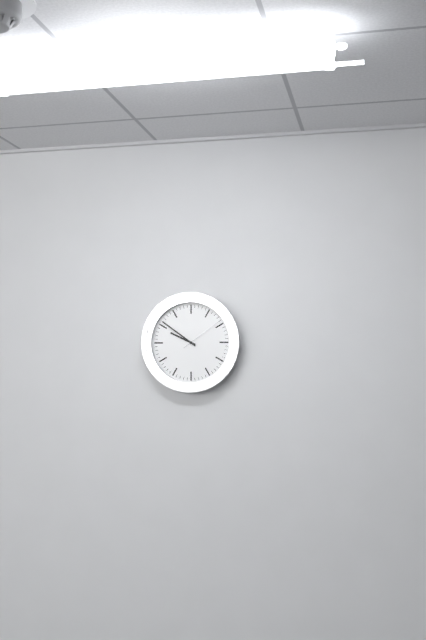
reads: 9,51
